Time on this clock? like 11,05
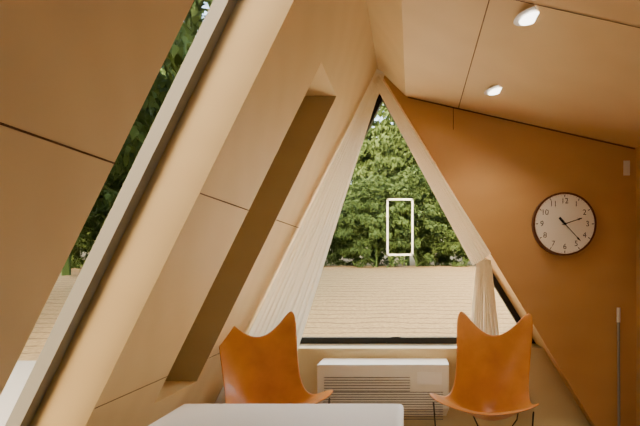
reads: 2,23
